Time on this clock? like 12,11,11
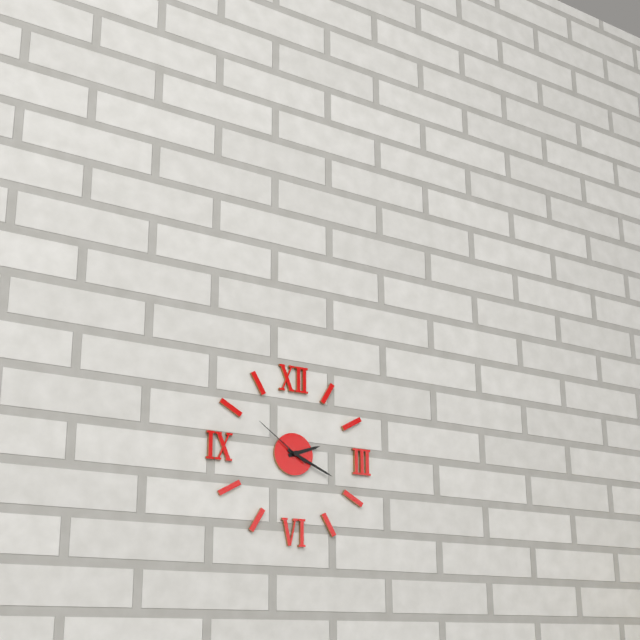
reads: 2,19,51
